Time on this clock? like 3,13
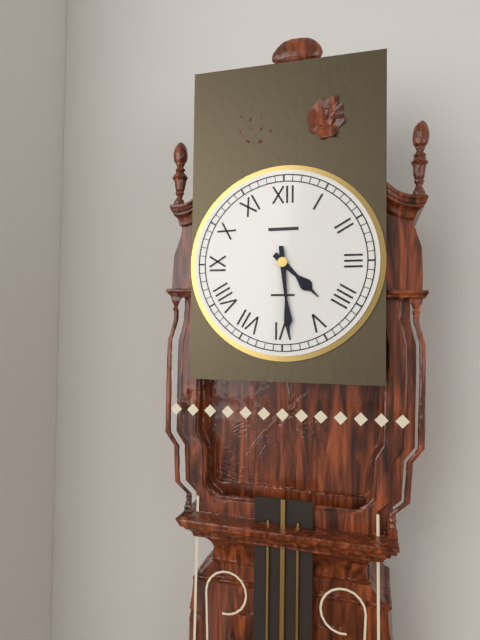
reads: 4,29
